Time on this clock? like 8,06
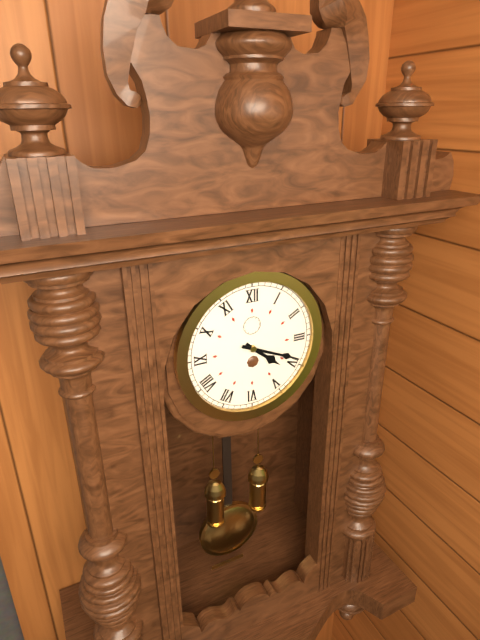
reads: 4,19
